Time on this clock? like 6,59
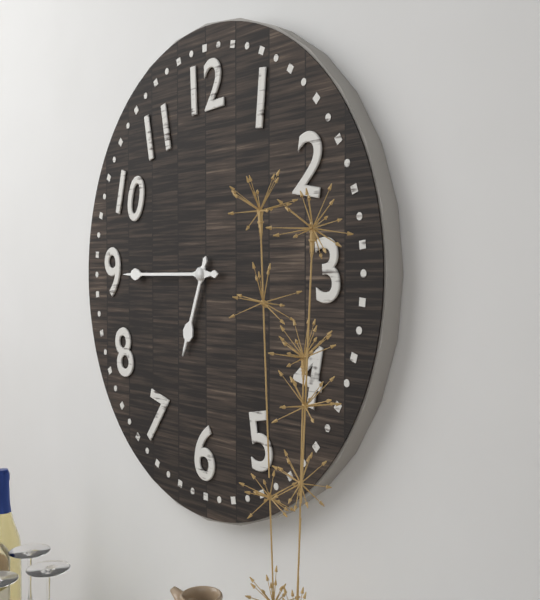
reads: 6,45
